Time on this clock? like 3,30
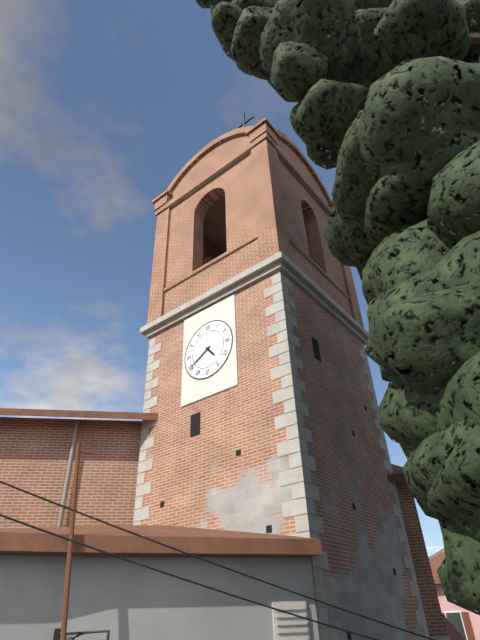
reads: 4,40
